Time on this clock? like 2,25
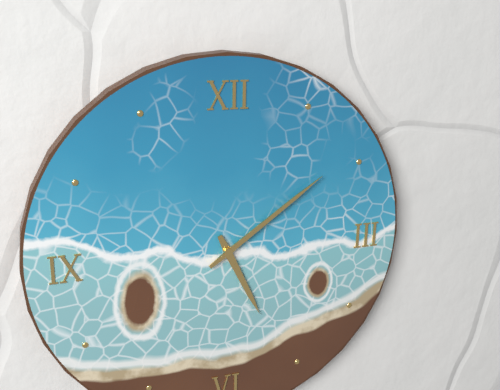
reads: 5,09
